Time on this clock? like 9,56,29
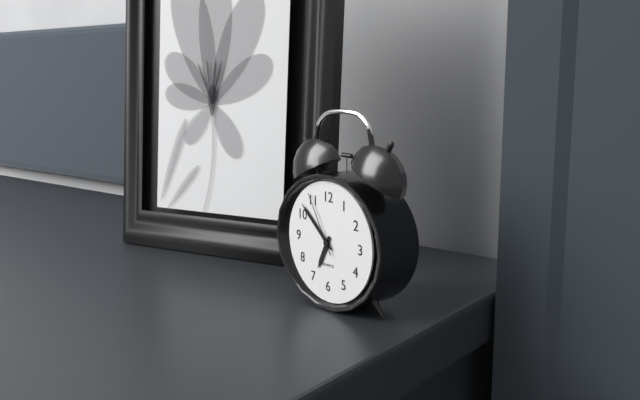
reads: 6,52,55
